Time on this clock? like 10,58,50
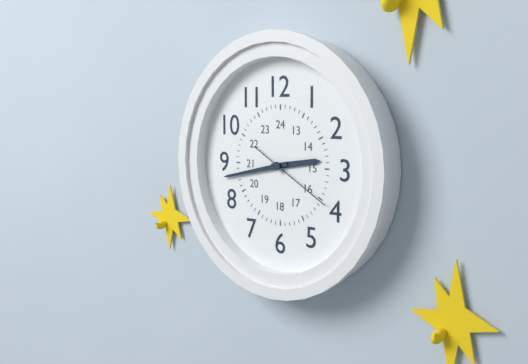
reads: 2,43,20
